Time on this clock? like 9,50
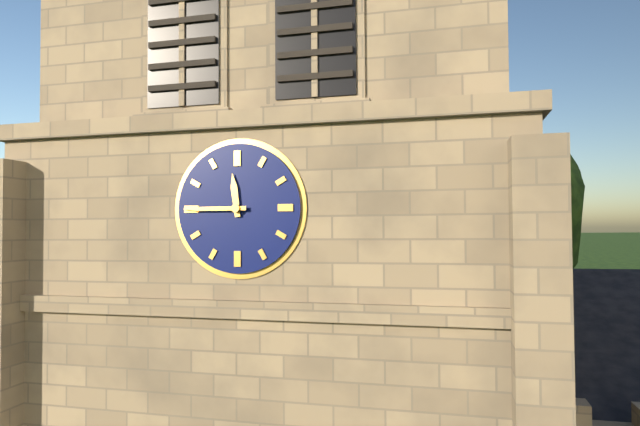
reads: 11,45
